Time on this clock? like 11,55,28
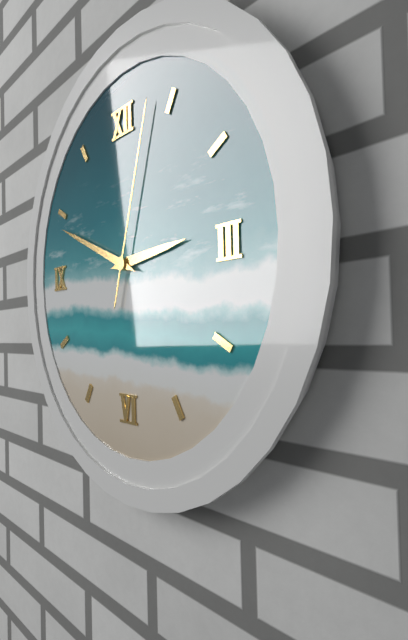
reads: 2,49,03
